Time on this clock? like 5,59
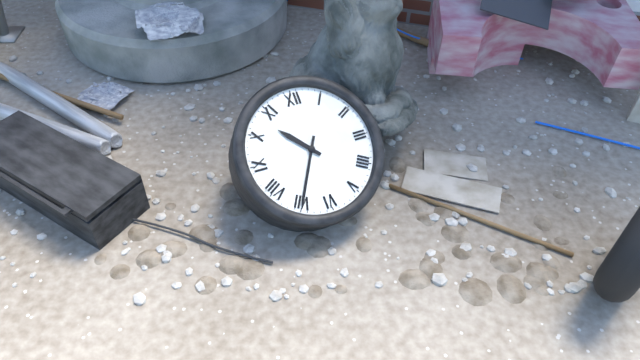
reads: 10,35
